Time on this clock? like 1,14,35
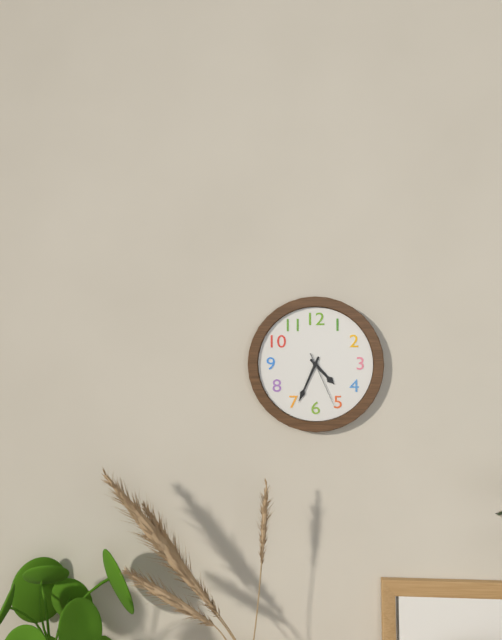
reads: 4,34,26
